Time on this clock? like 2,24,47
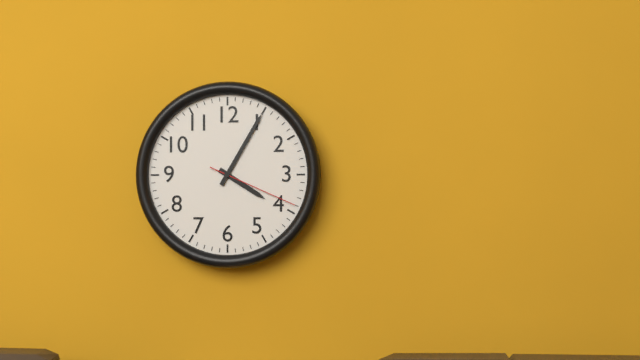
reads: 4,05,19
